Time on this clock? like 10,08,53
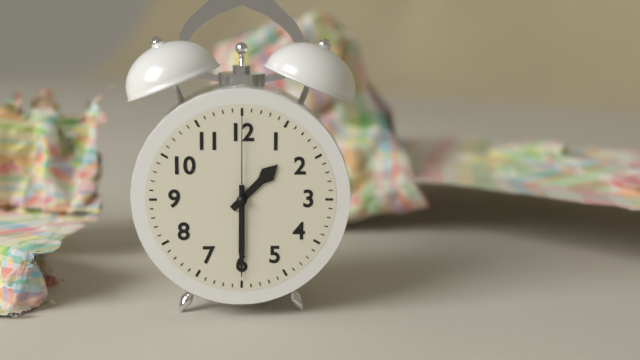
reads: 1,30,00
